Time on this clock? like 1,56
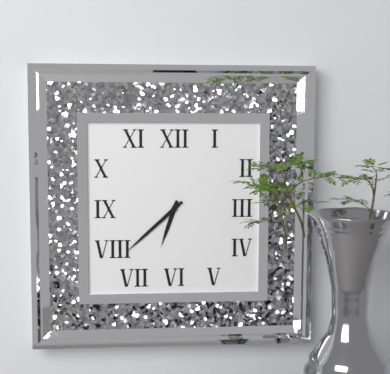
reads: 6,38
